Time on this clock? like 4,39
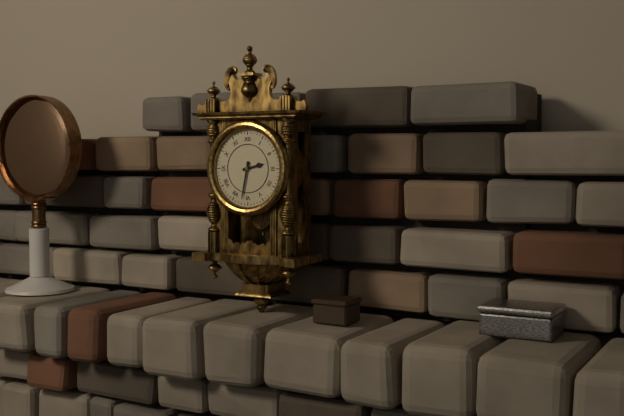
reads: 2,32
